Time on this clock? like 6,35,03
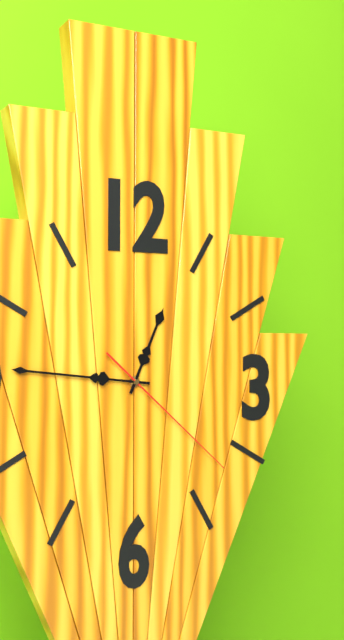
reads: 12,46,22
